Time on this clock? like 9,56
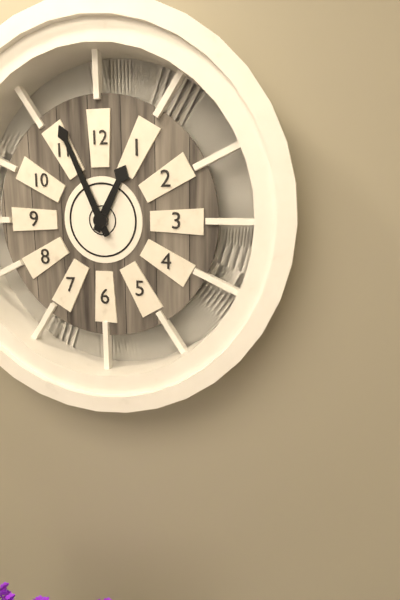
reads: 12,56
